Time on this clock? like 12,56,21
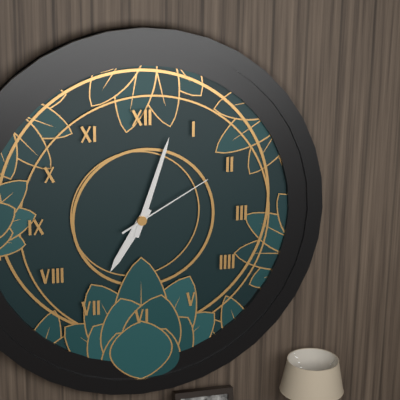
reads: 7,03,10
